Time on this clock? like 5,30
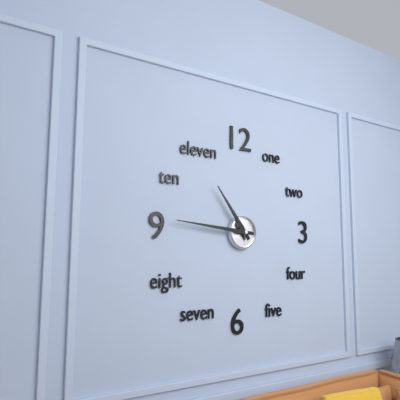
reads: 10,46
